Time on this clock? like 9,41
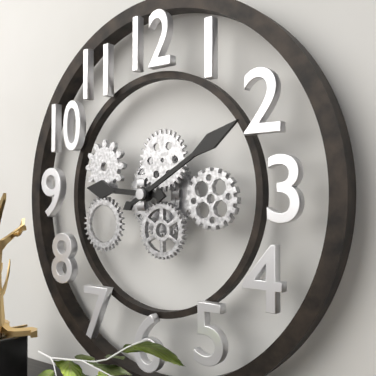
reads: 9,10
